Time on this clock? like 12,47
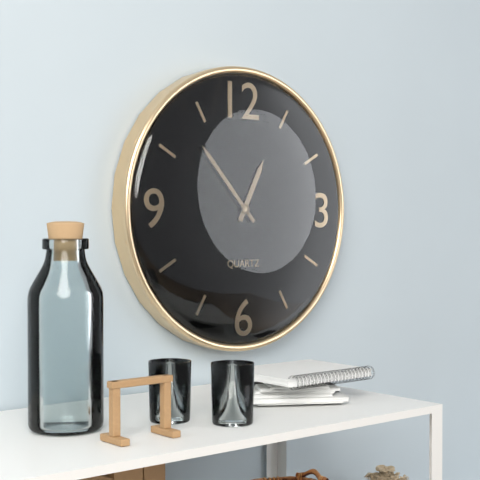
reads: 12,53
